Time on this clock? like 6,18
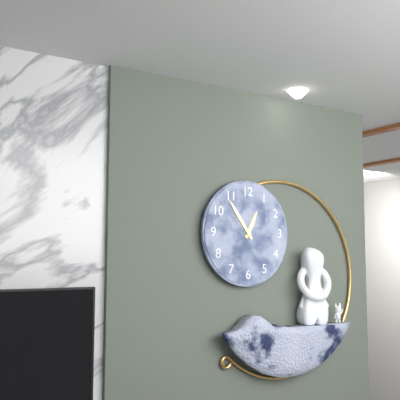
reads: 12,54
